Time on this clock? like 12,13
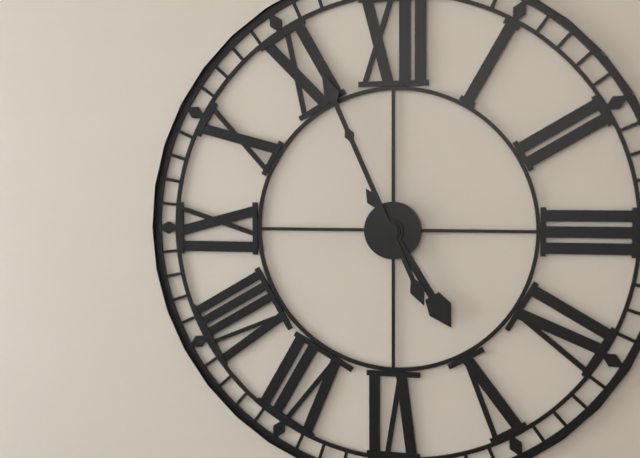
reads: 4,56
